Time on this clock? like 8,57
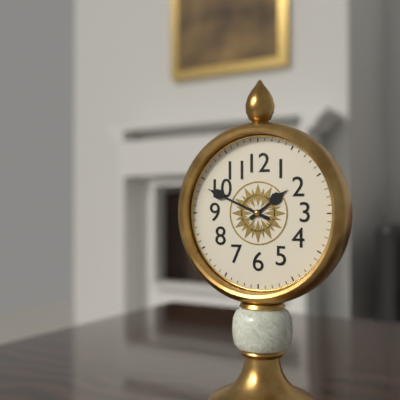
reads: 1,49
